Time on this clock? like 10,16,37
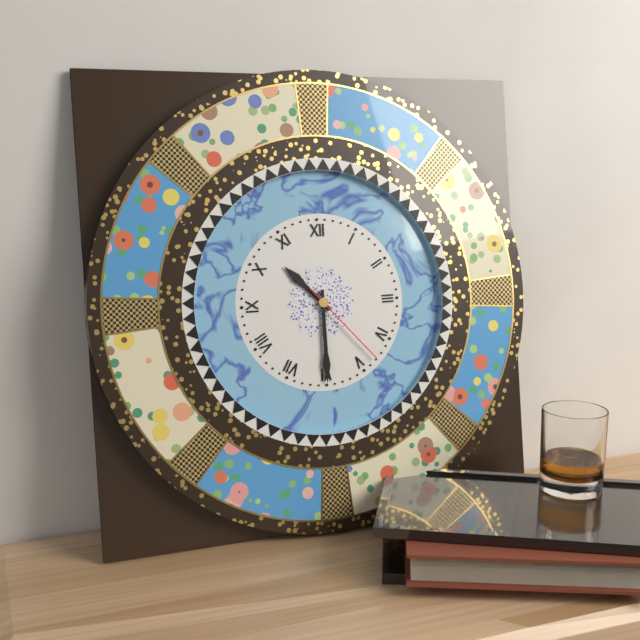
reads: 10,30,23
